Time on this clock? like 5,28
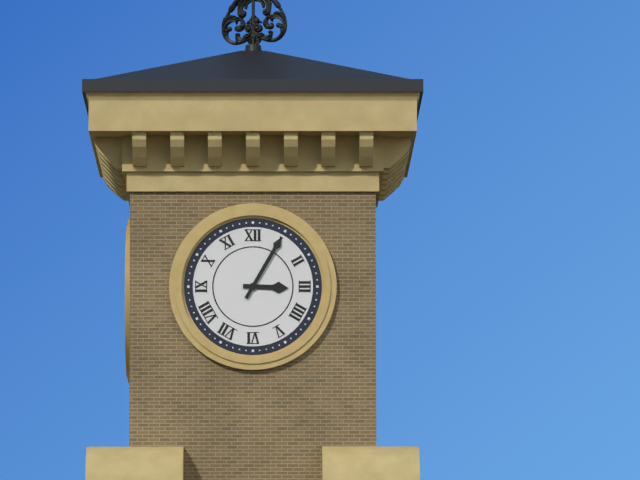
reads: 3,05
